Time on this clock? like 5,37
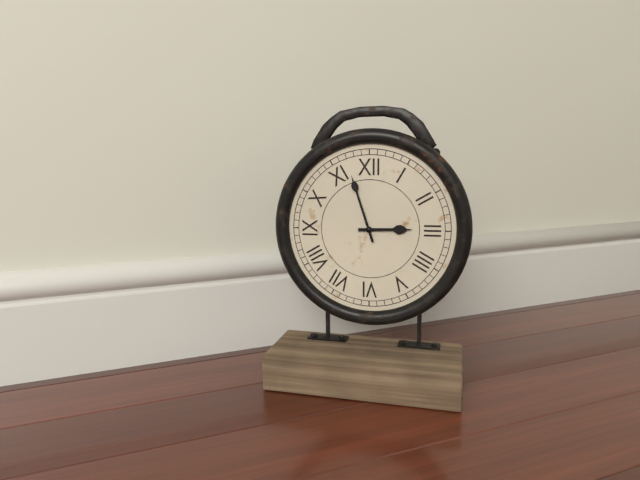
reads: 2,57
